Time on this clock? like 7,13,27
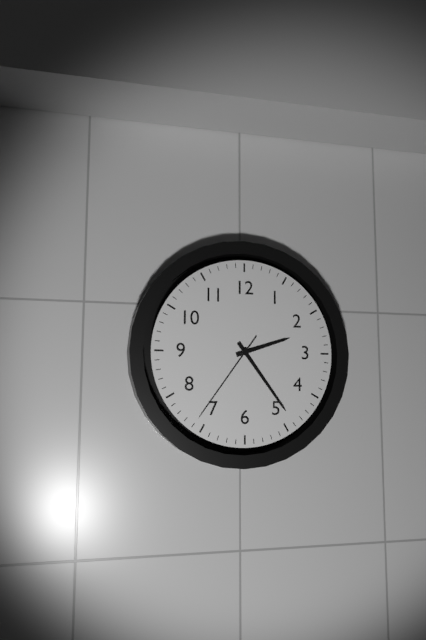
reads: 2,24,36
